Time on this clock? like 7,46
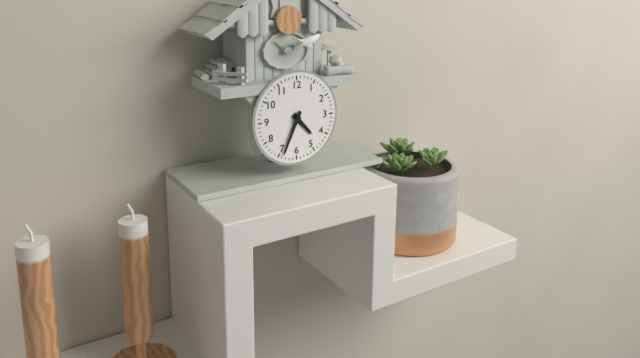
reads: 4,34
